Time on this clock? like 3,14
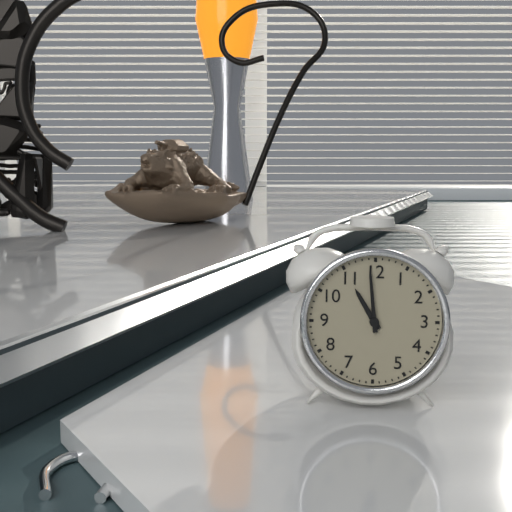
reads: 10,59
